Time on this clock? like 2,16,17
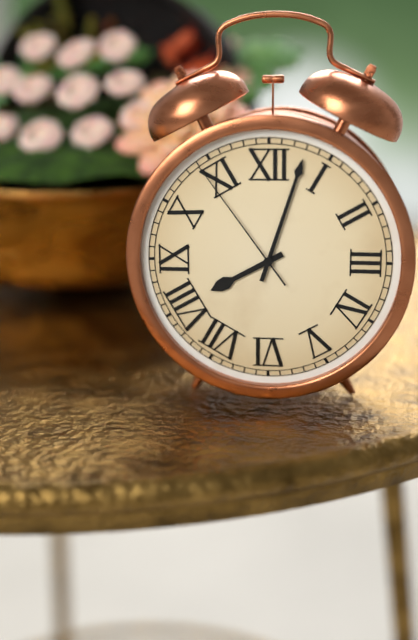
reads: 8,03,54
